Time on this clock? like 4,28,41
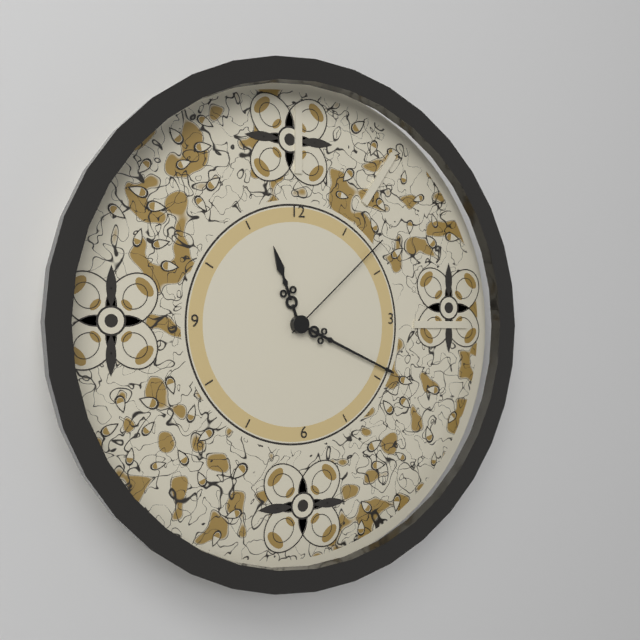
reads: 11,19,08
